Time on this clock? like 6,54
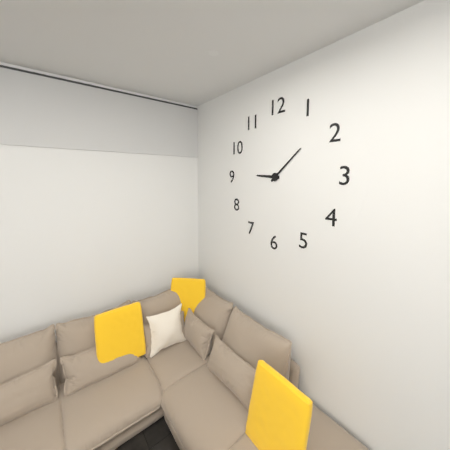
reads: 9,08
